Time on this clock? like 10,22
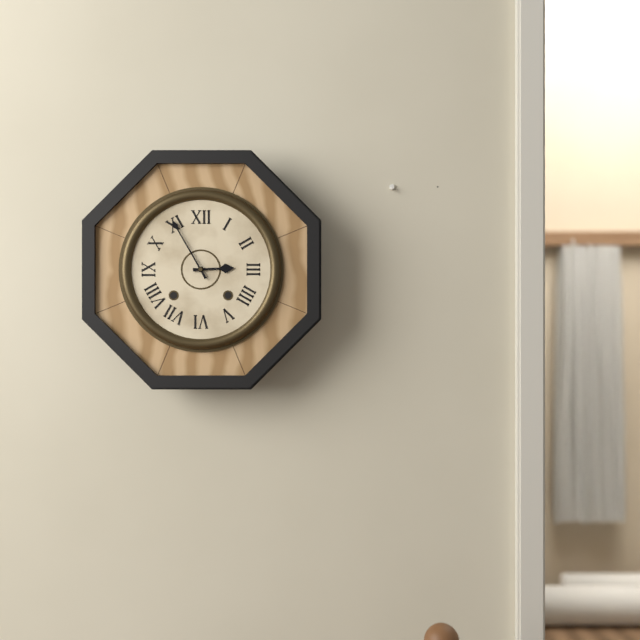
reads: 2,55
